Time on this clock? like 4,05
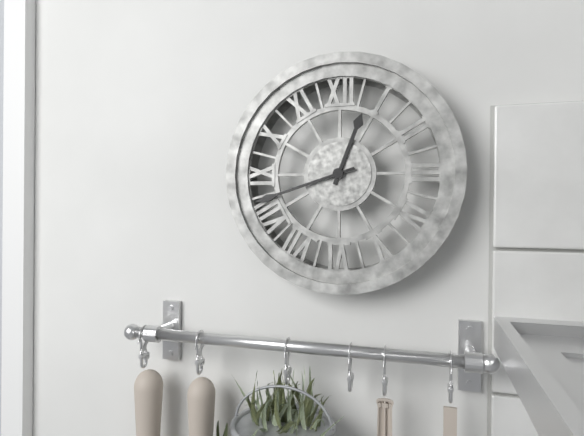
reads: 12,42
